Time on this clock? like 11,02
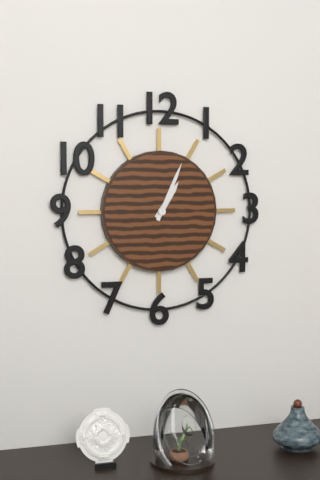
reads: 1,04
